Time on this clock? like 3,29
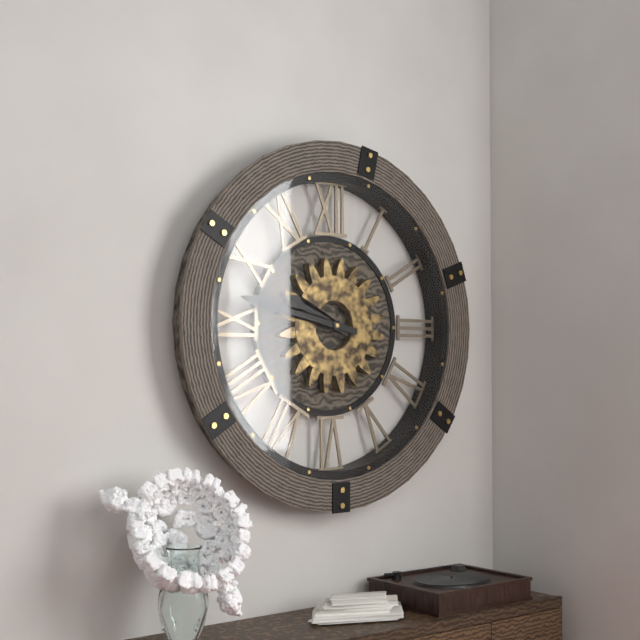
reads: 9,47
